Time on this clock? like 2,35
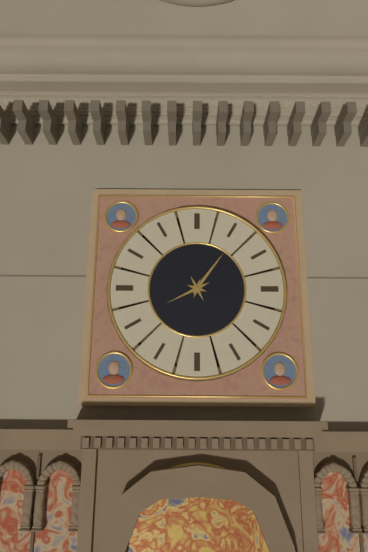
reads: 8,06
